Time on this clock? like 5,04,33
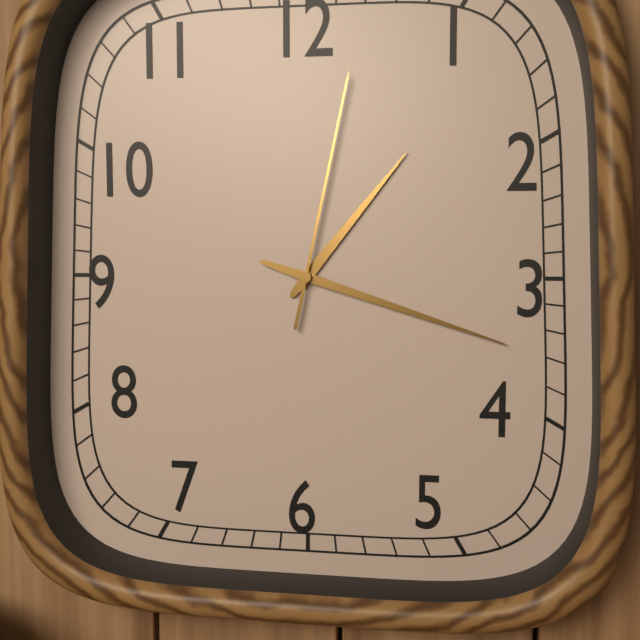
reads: 1,18,02
